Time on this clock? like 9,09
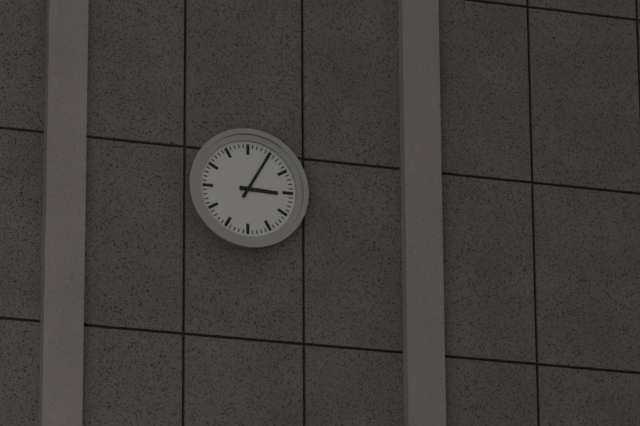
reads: 3,05
